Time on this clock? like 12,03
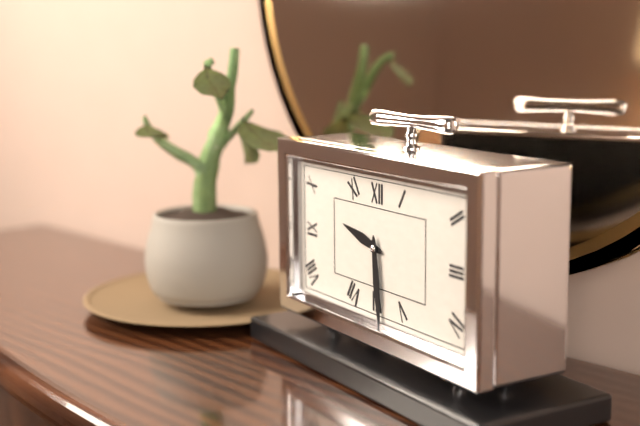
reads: 9,29
